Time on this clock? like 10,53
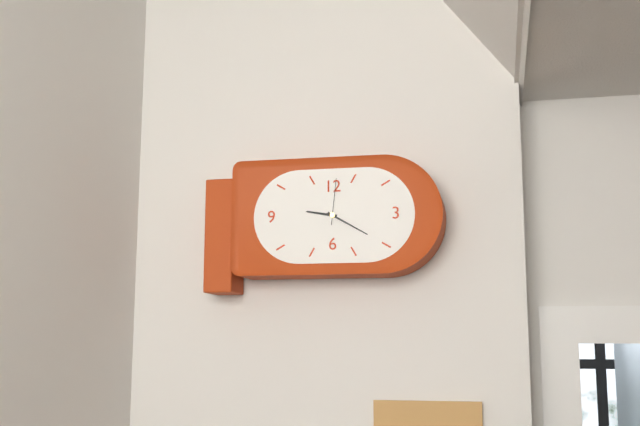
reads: 9,20
